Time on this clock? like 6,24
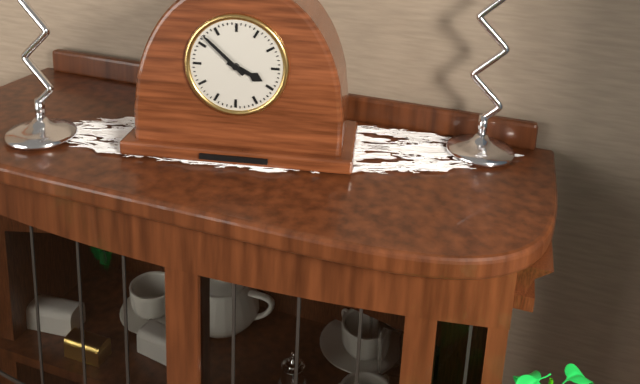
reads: 3,52
